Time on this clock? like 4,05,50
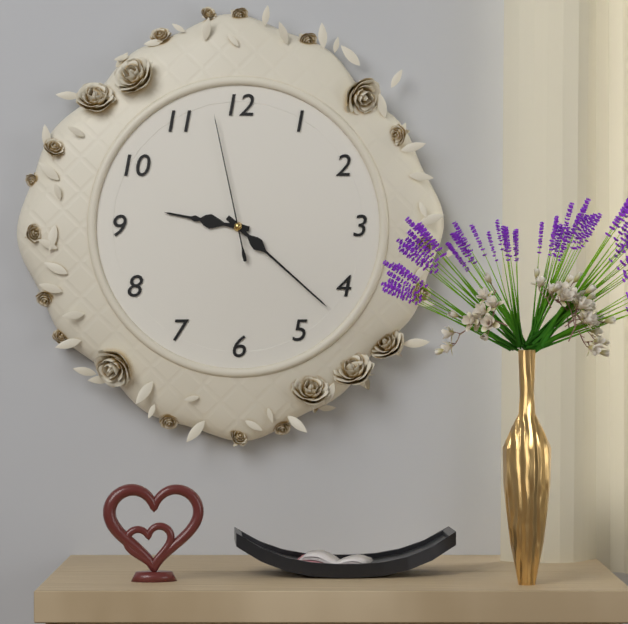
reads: 9,22,58
